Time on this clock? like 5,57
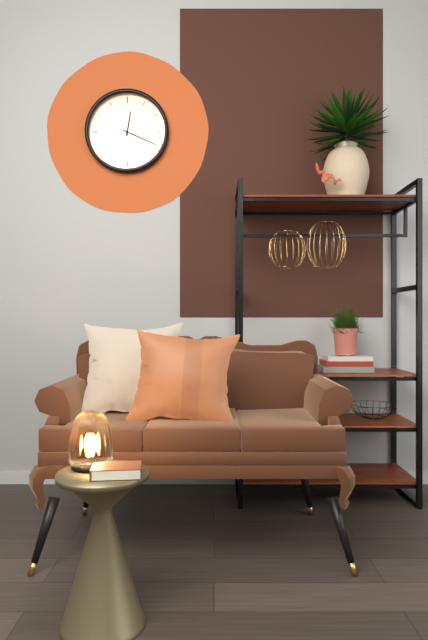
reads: 12,19
